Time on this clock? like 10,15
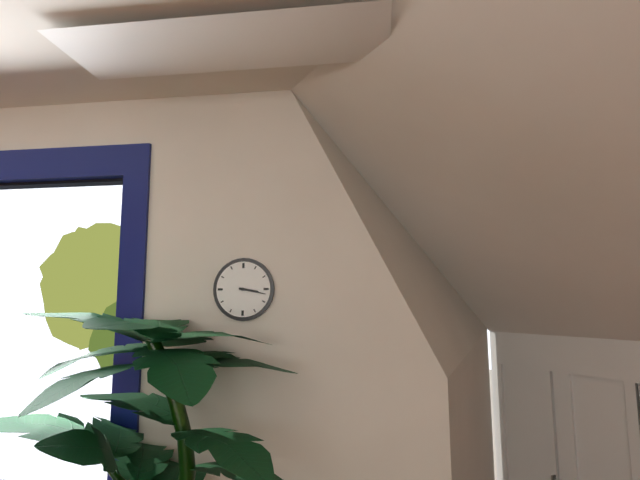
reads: 3,17
